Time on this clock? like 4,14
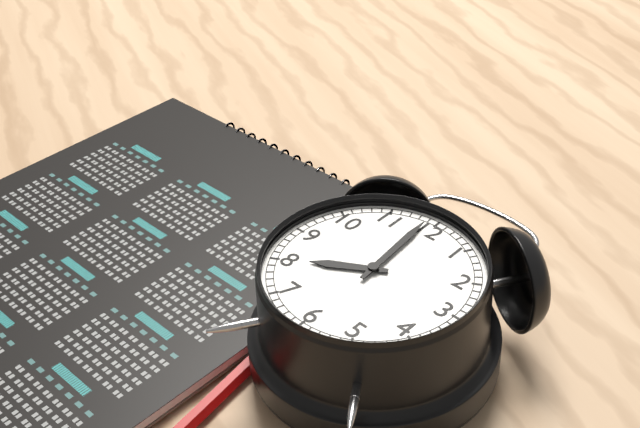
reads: 7,59
